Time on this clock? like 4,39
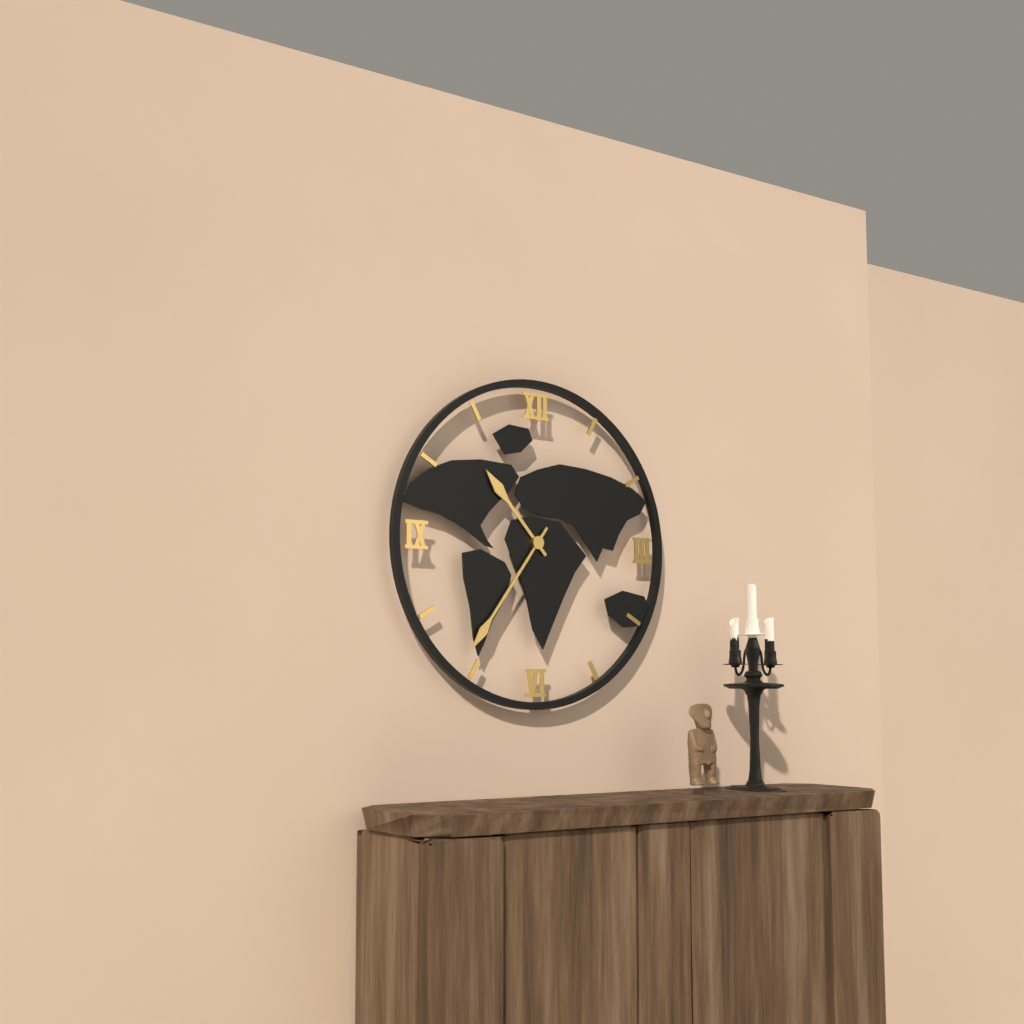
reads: 10,36
